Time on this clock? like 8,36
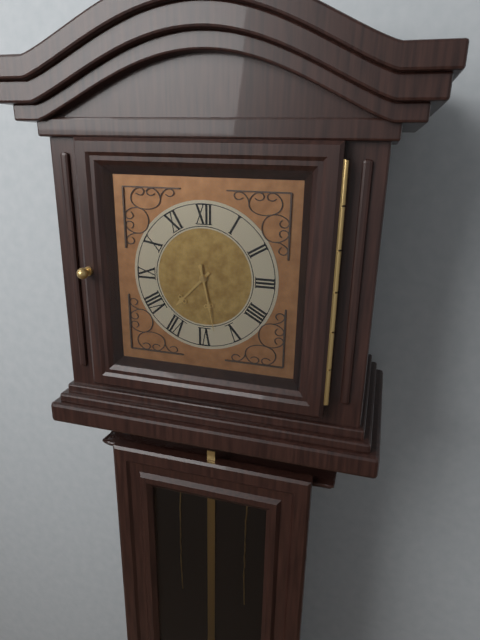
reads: 7,28
